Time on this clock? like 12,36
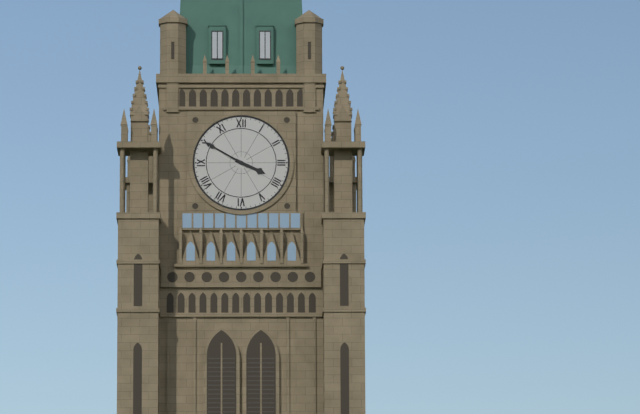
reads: 3,50
